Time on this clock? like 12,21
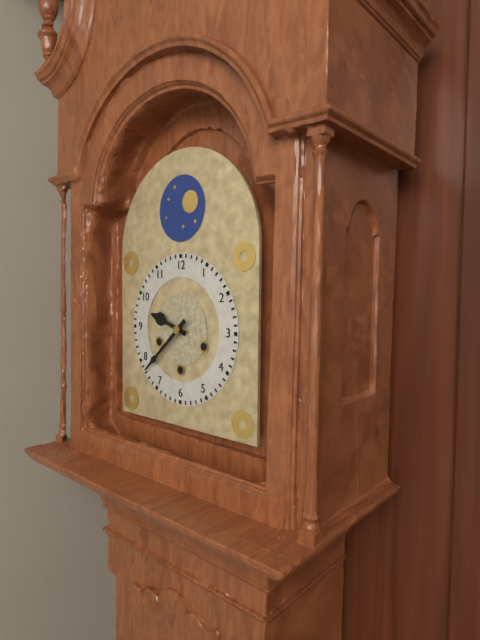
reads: 9,38
